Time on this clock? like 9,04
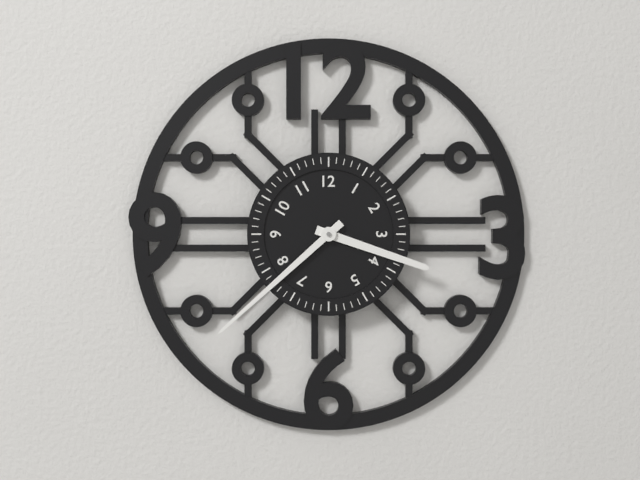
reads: 3,38
